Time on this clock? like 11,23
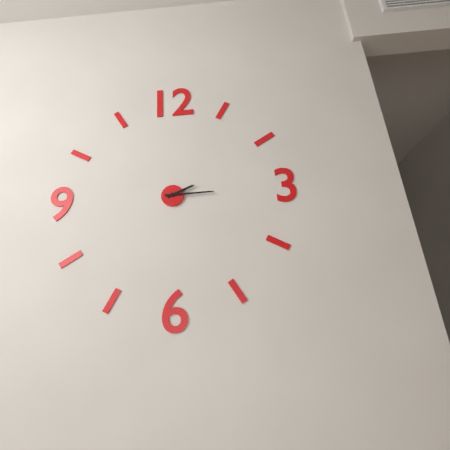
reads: 2,15
